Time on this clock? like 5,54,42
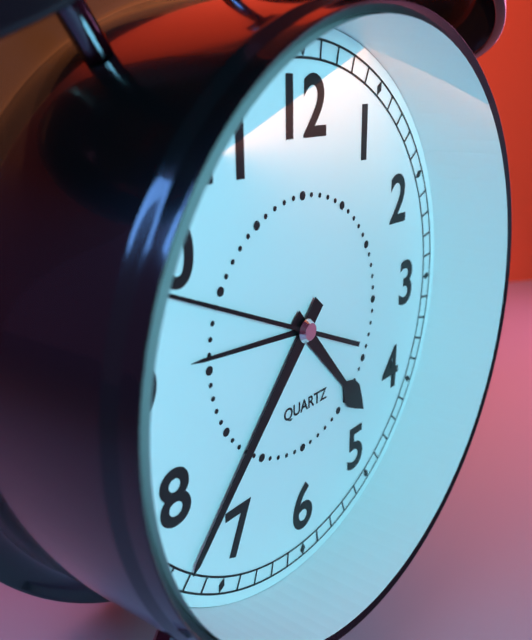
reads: 4,37,49
